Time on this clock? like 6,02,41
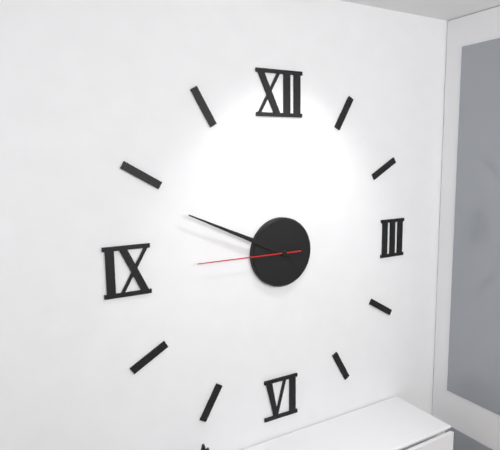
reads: 9,49,45
